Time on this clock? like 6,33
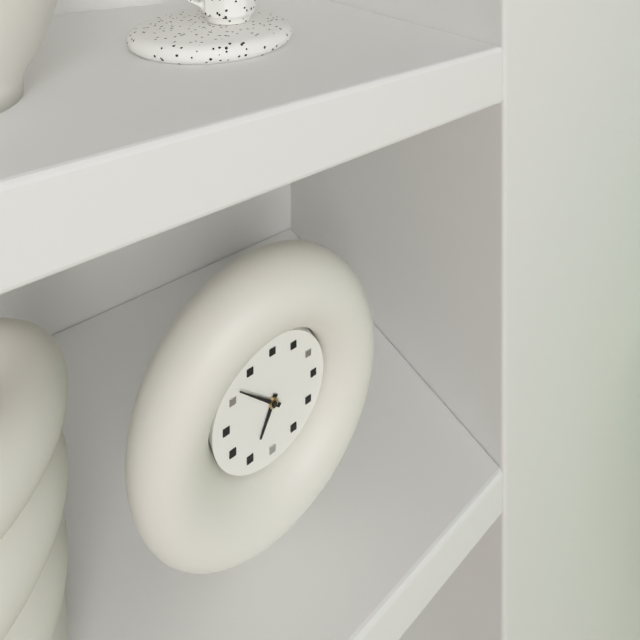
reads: 6,52
